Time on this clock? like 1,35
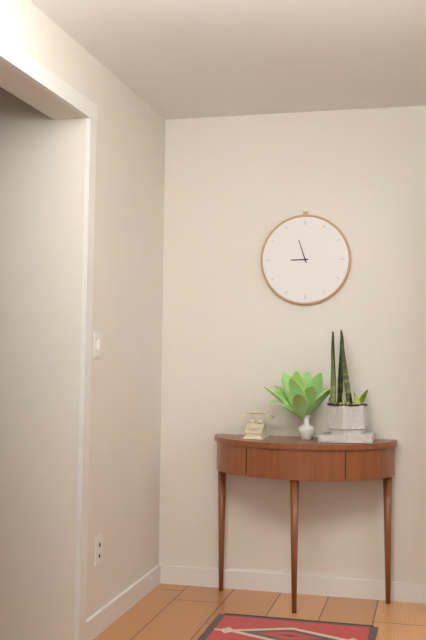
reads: 8,57
